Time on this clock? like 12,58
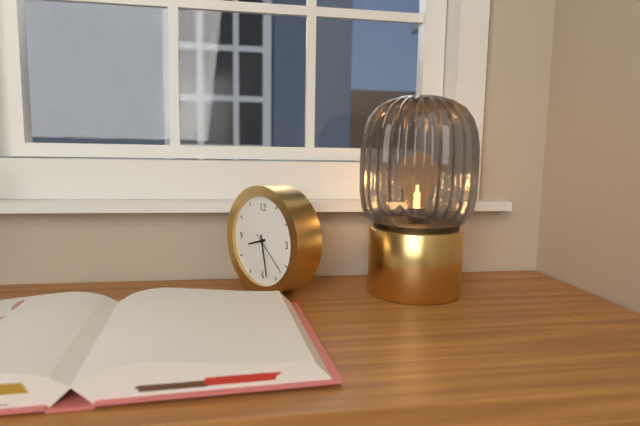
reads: 8,28
